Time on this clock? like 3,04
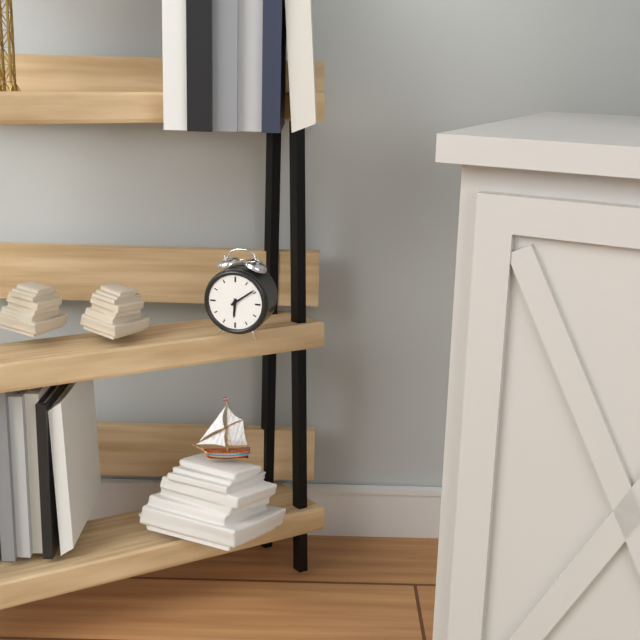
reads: 6,09
